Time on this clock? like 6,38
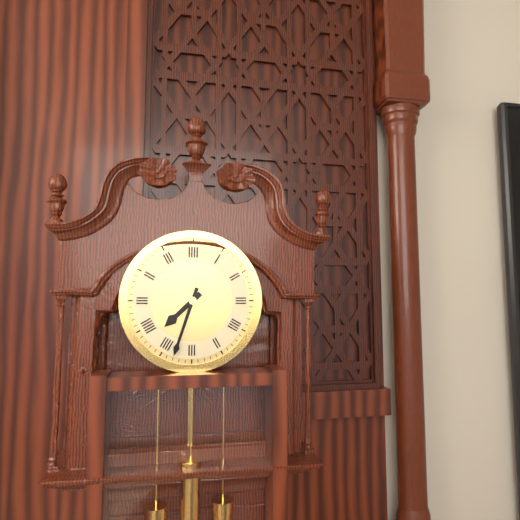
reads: 7,33
